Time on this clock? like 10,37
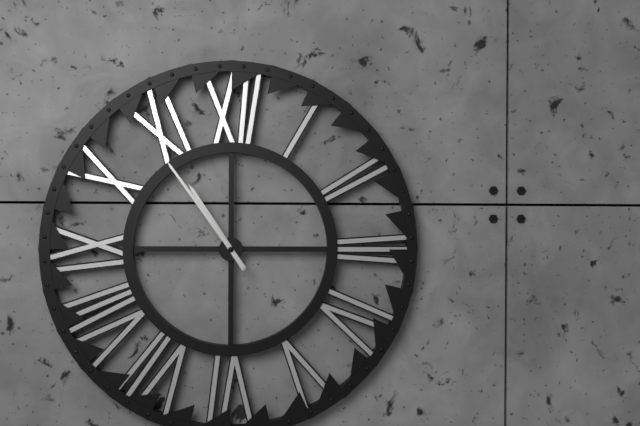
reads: 10,54
